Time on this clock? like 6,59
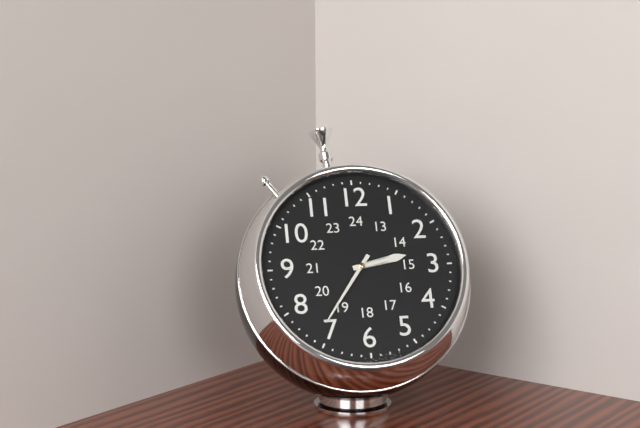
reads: 2,36
